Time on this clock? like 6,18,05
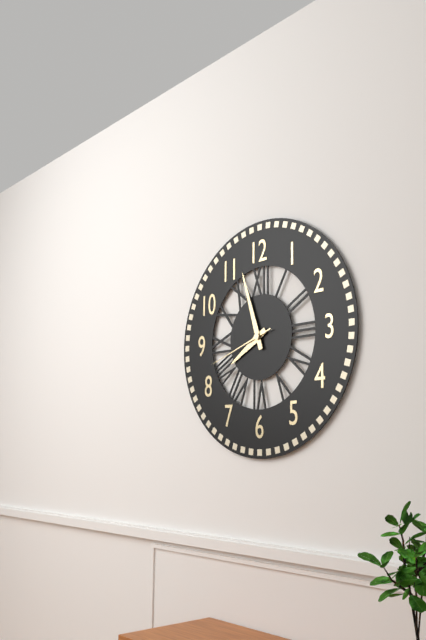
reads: 7,57,42
